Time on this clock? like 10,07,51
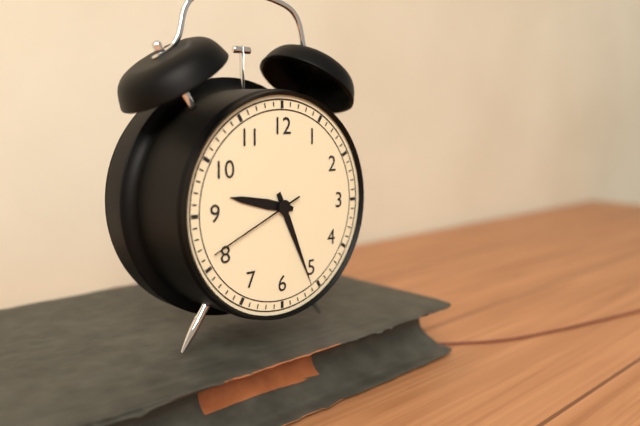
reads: 9,26,41
